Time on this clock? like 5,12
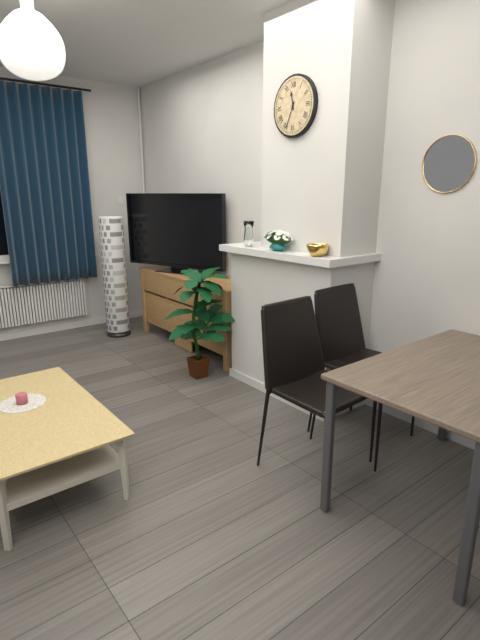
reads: 11,34
